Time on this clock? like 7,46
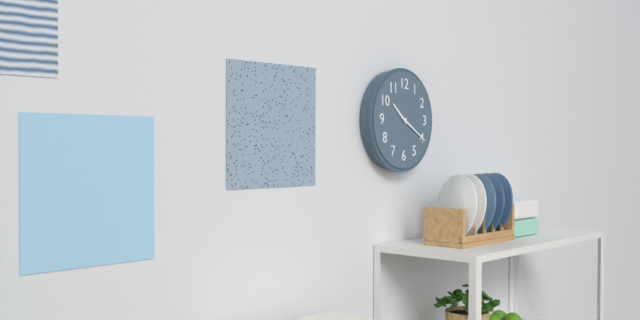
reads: 10,20
